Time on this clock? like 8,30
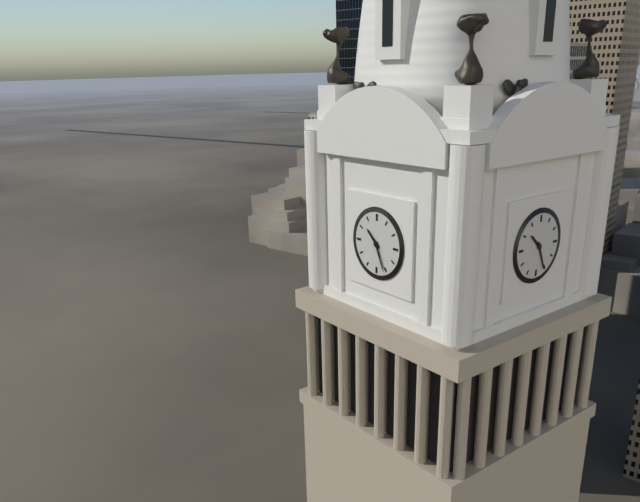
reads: 10,26
